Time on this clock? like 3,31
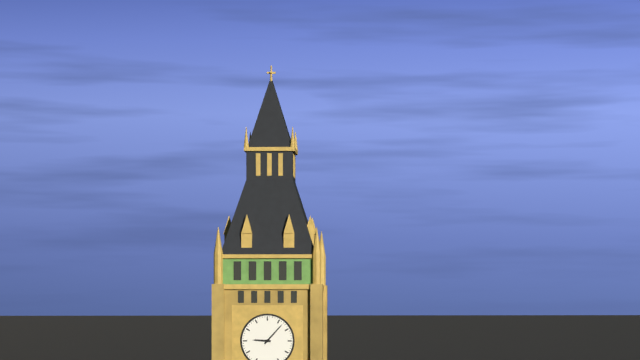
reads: 9,07
